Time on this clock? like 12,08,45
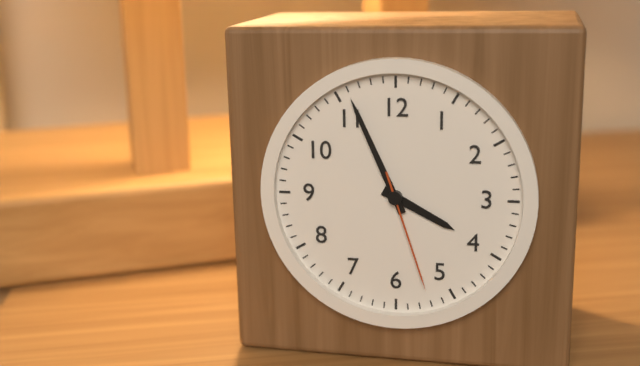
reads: 3,56,27
